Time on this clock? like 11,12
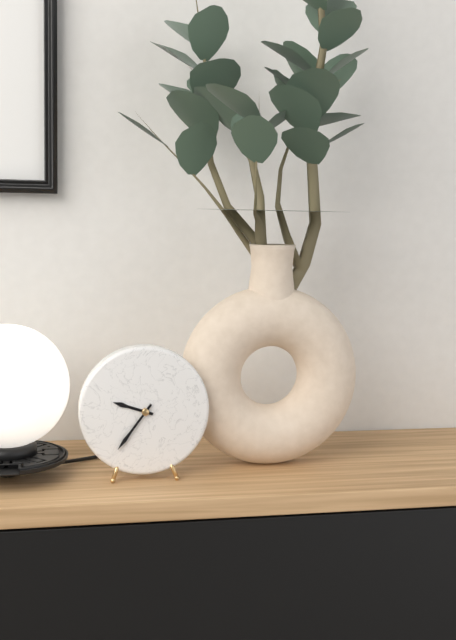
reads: 9,36
